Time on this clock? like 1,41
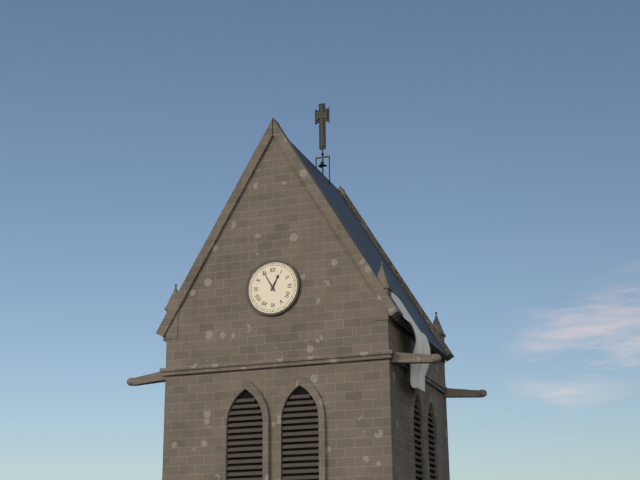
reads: 12,55
